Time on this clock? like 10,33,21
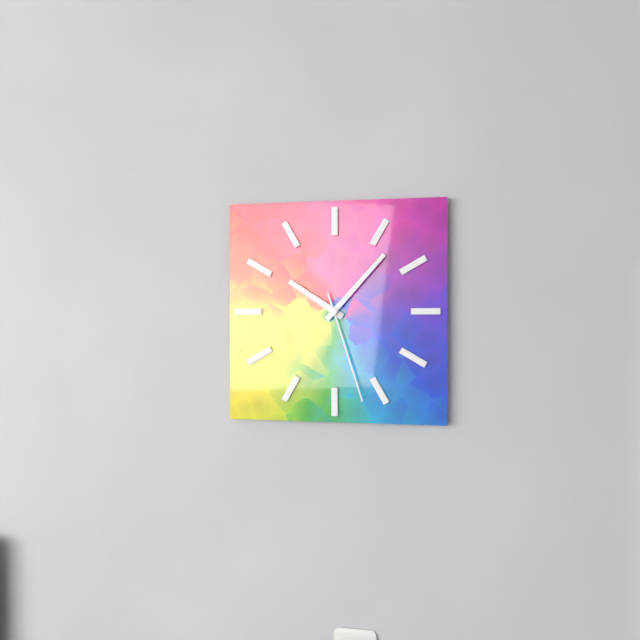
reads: 10,07,27
